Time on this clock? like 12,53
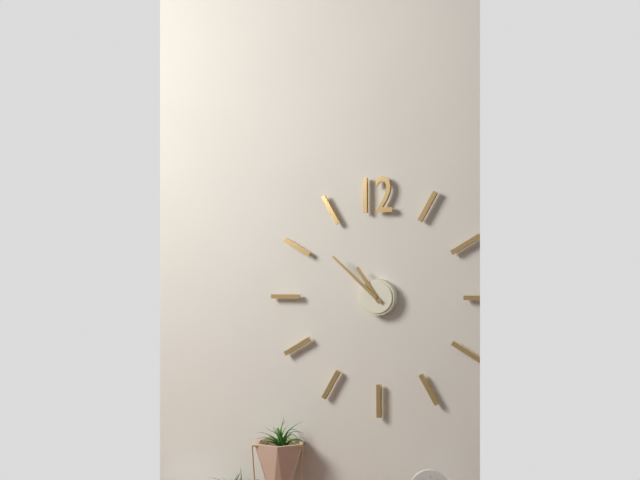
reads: 10,52
